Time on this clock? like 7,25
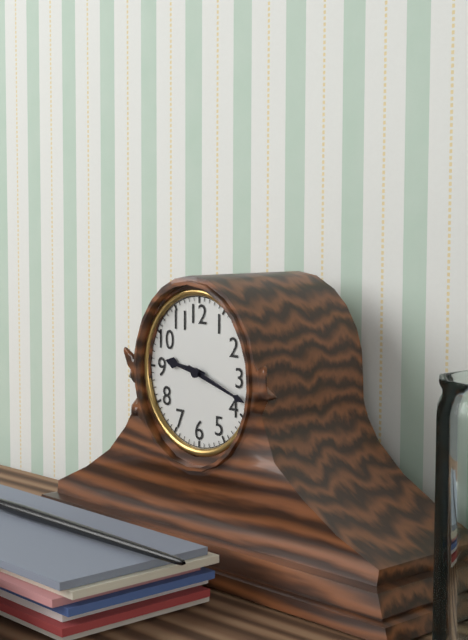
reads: 9,18
